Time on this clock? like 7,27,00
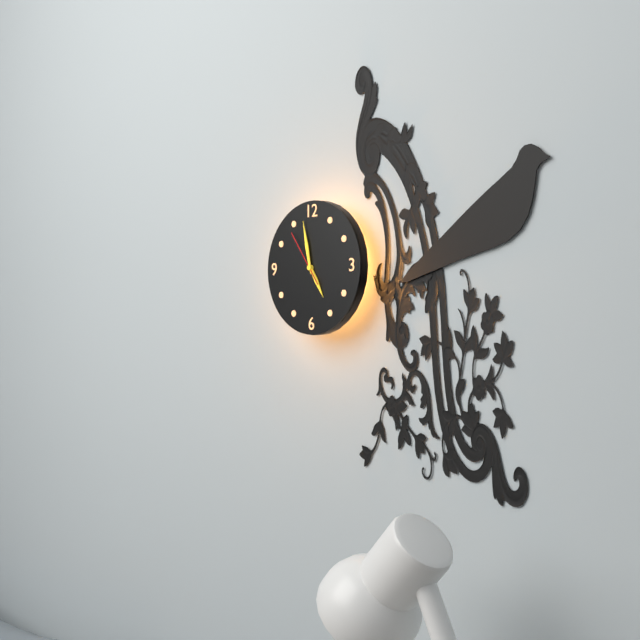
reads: 4,58,54
